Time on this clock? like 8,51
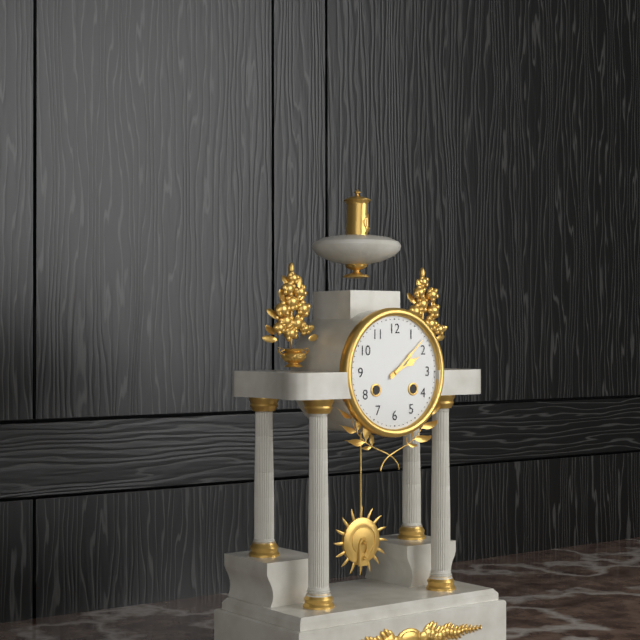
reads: 2,08
